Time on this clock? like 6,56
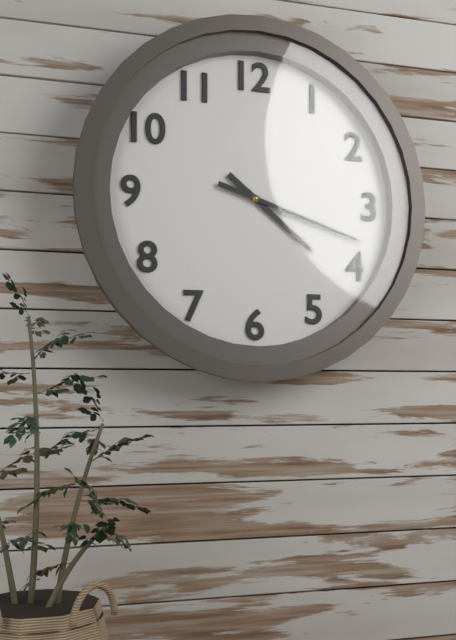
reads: 4,18
